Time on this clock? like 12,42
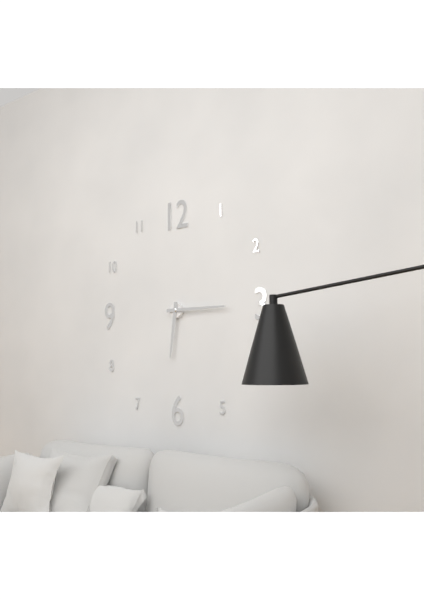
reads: 6,15
